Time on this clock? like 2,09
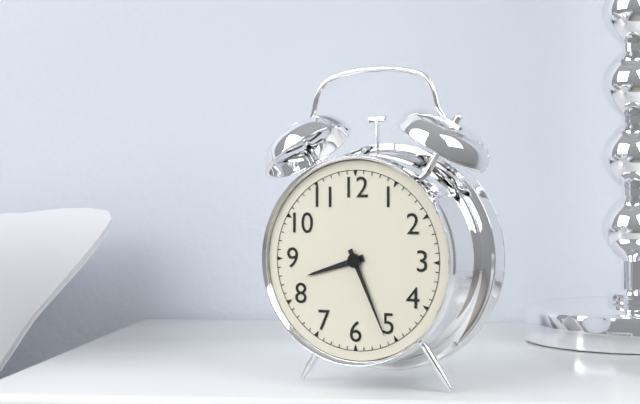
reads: 8,26
